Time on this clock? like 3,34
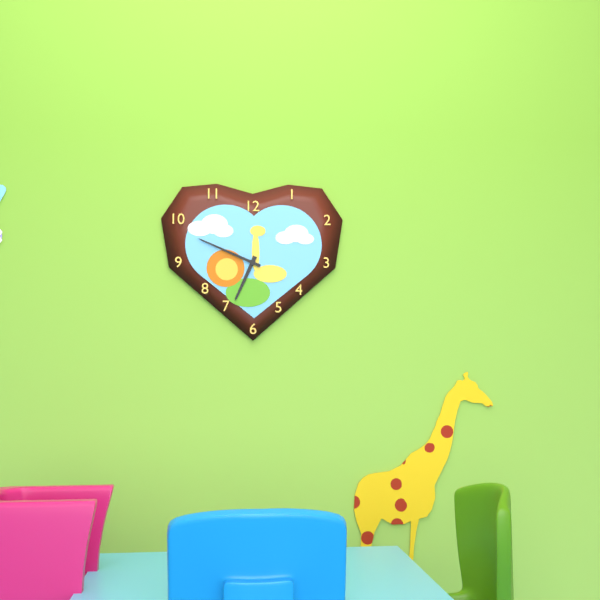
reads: 6,49
